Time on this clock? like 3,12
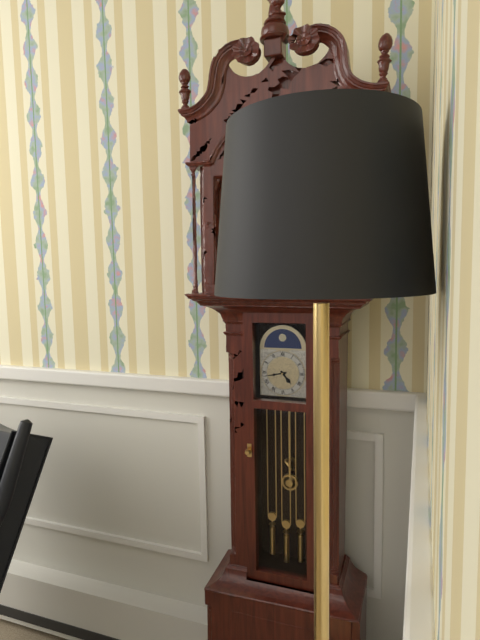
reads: 4,43
